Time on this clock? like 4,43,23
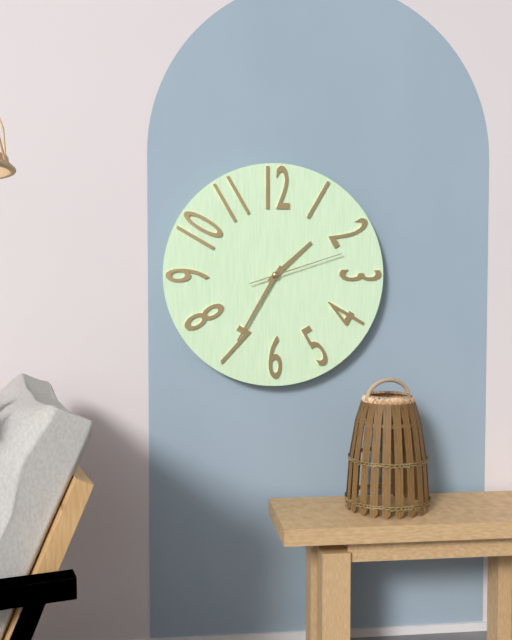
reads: 1,35,12
